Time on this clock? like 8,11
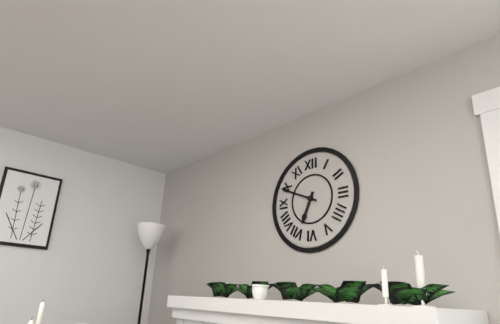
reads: 6,49
